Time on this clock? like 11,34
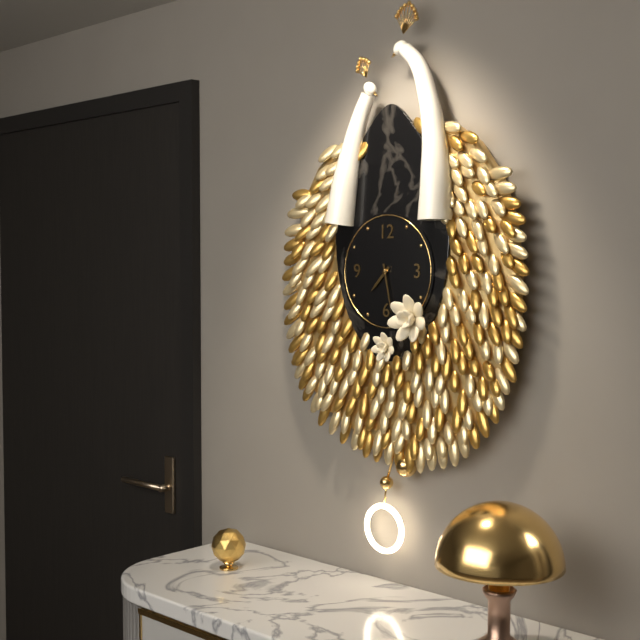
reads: 7,28
